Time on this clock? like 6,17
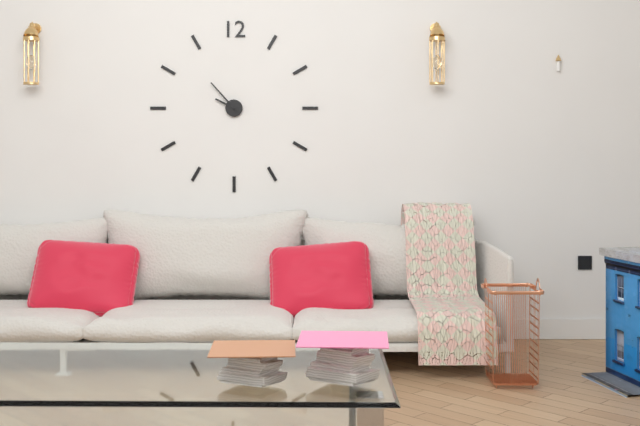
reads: 9,53
